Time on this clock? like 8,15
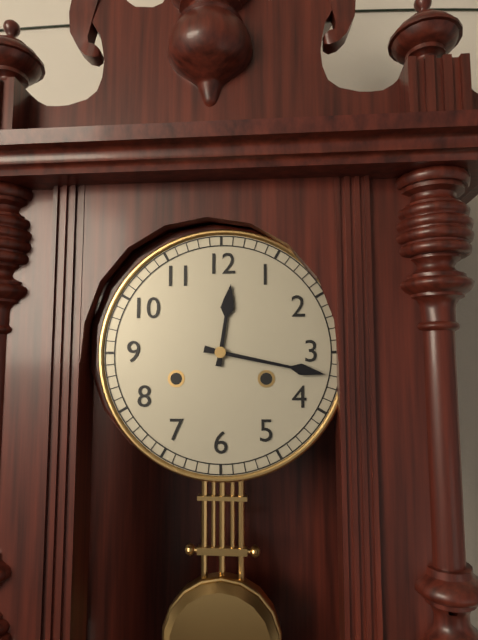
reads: 12,17
